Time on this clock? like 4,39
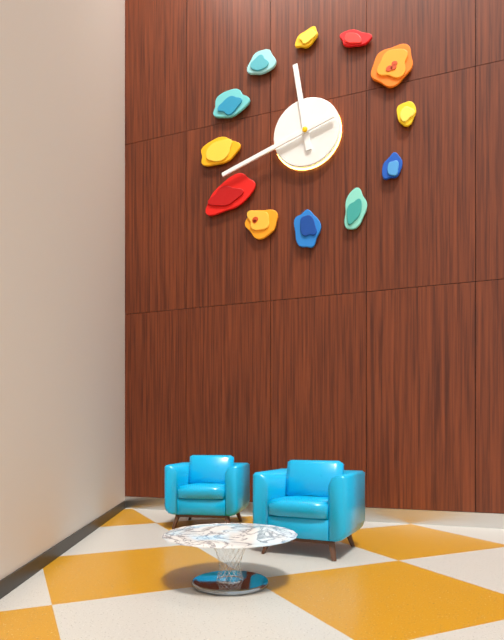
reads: 11,42
